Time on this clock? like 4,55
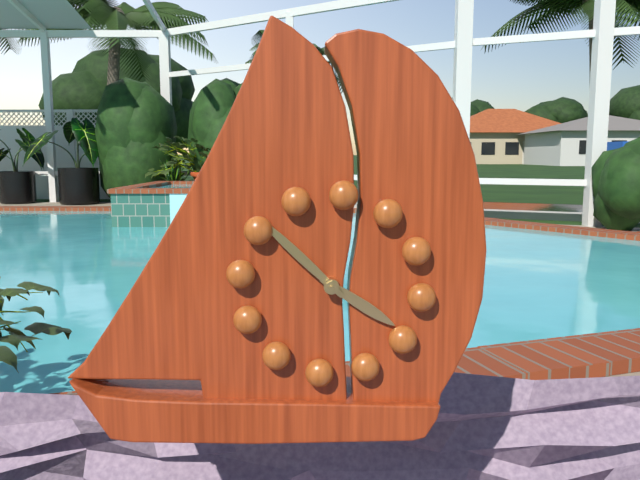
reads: 3,51
